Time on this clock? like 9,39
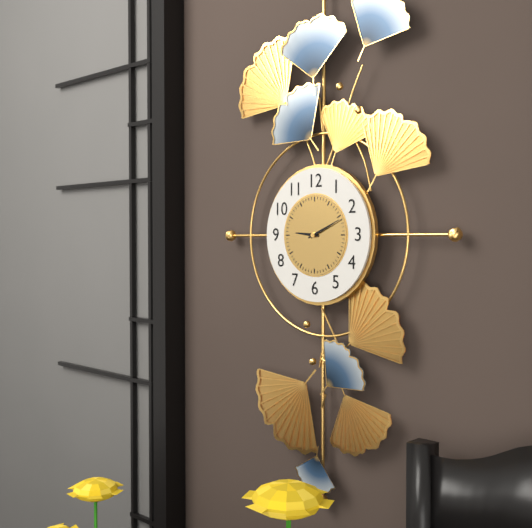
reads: 9,11
